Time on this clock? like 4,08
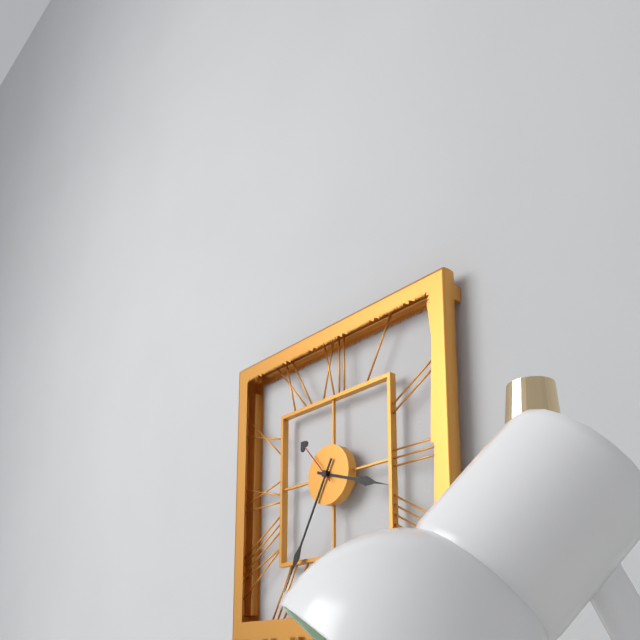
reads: 3,35
